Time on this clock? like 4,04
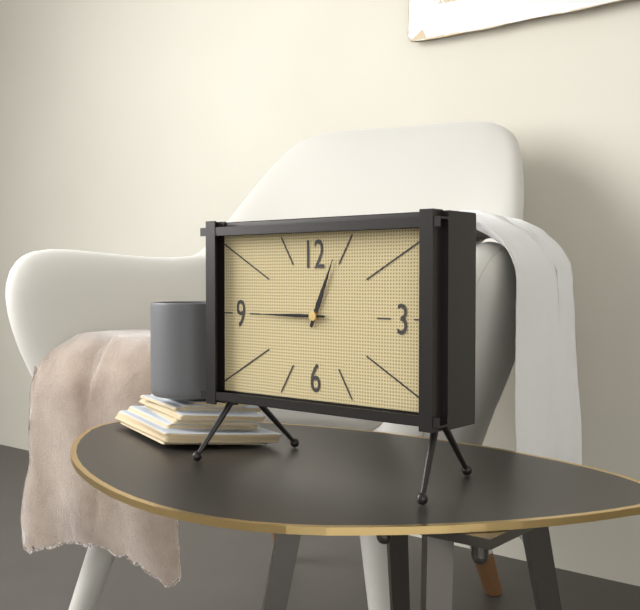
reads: 12,45
